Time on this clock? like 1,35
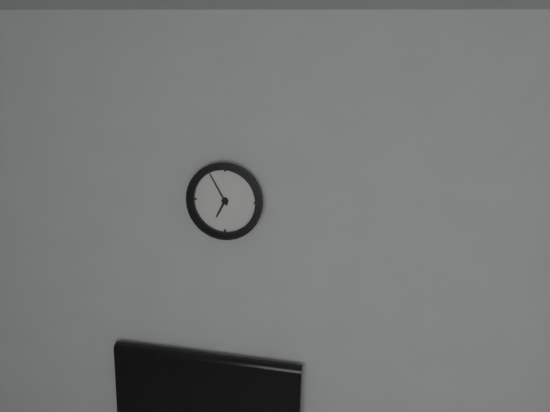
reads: 6,55
